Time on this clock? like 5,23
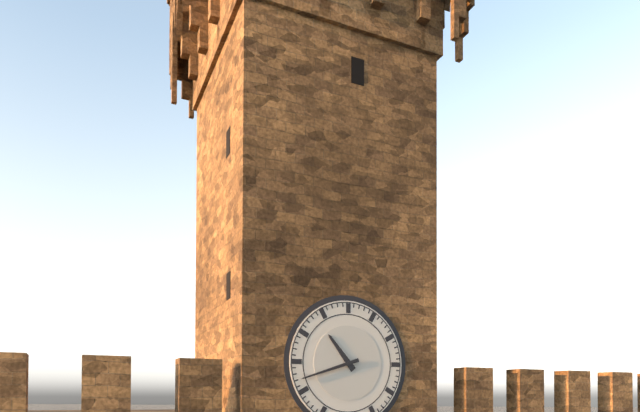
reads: 10,42
